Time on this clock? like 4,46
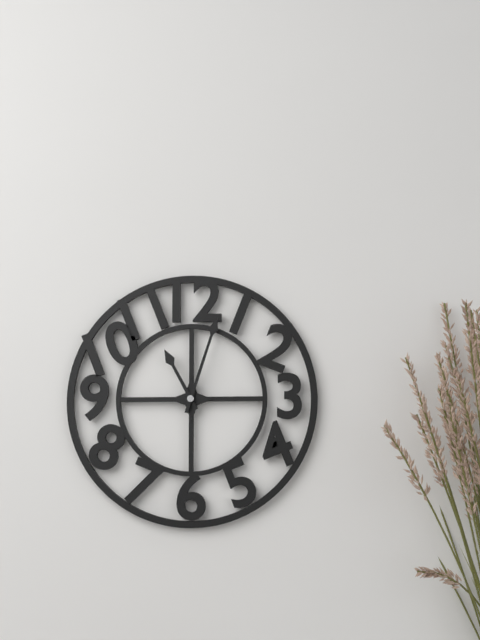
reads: 11,03
